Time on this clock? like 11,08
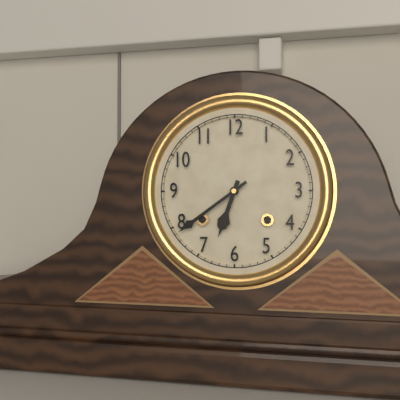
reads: 6,39
